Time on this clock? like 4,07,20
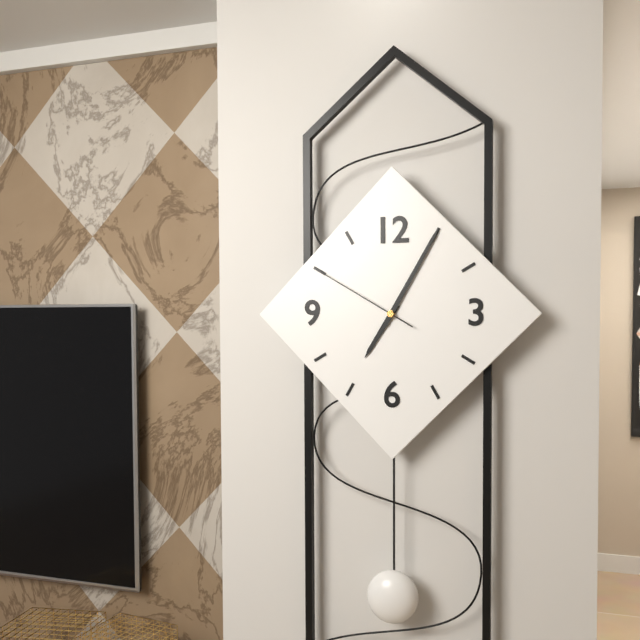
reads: 7,05,50
